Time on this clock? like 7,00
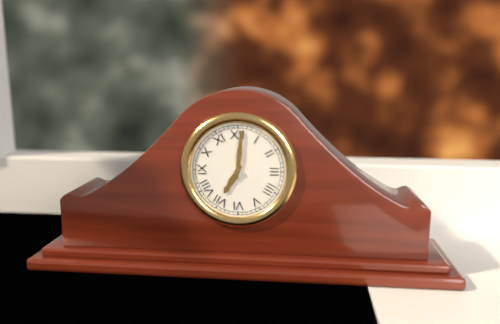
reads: 7,01
